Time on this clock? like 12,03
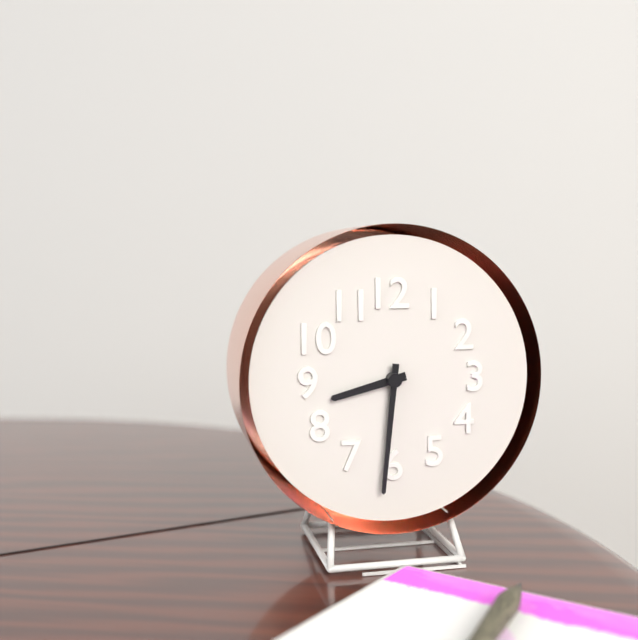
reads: 8,31
